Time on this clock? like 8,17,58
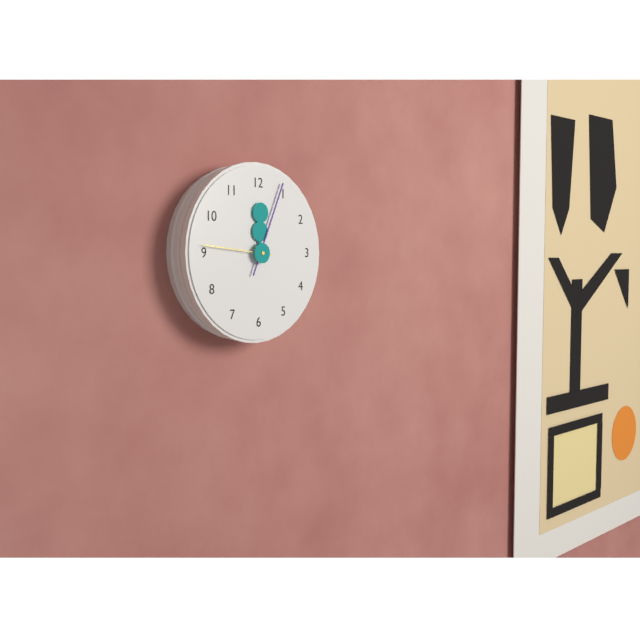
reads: 12,04,46
